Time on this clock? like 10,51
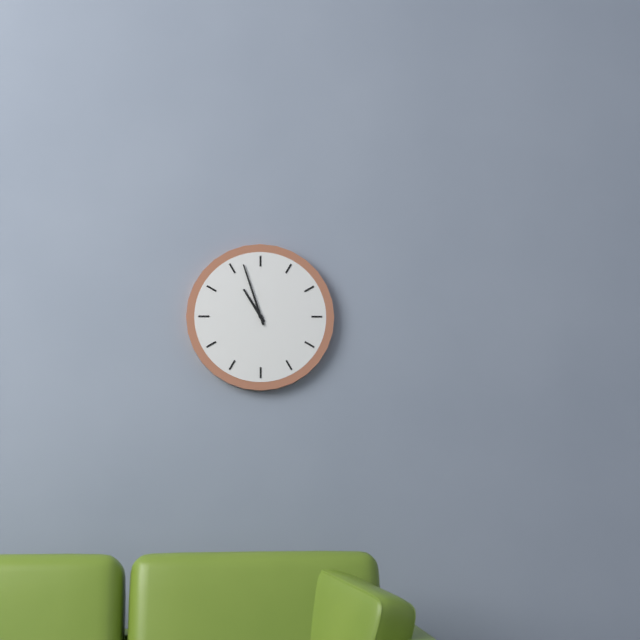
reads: 10,57
